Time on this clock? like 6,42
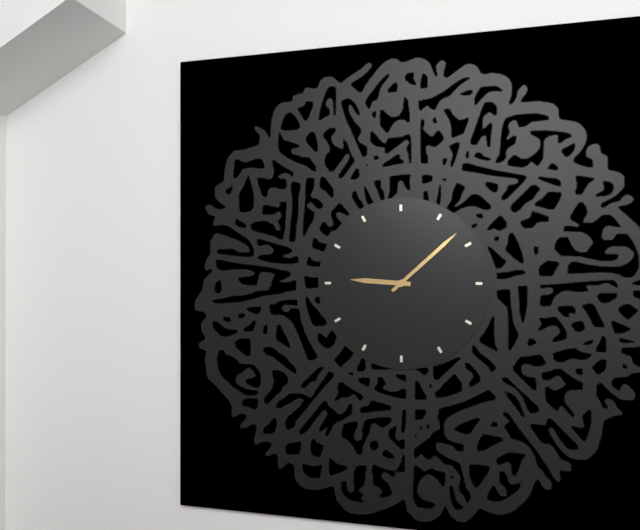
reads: 9,08
